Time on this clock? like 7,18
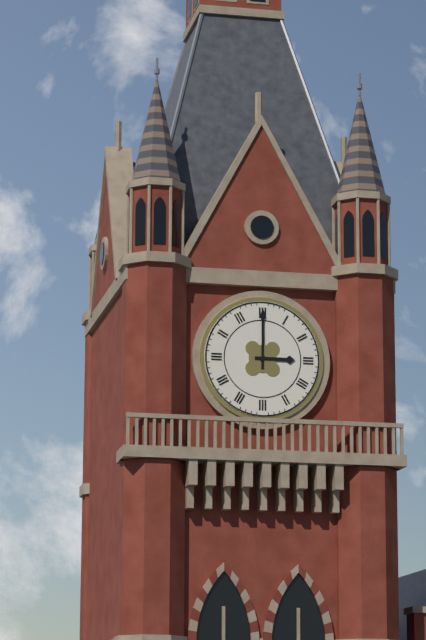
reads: 3,00
